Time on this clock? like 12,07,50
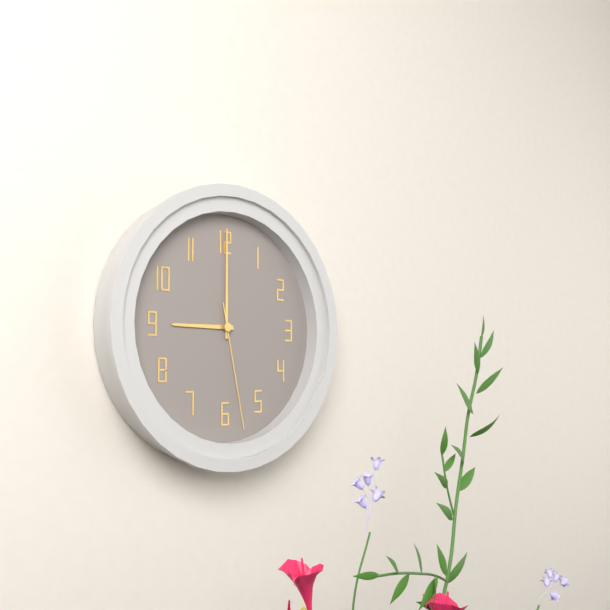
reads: 9,00,28
